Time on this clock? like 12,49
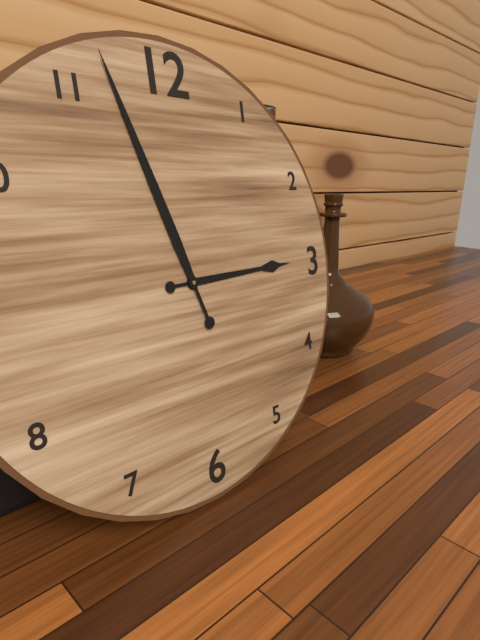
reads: 2,57
